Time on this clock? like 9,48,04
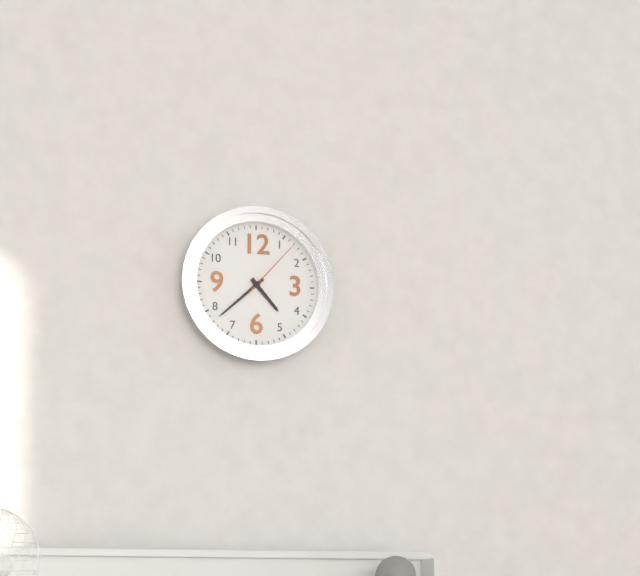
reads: 4,38,07
